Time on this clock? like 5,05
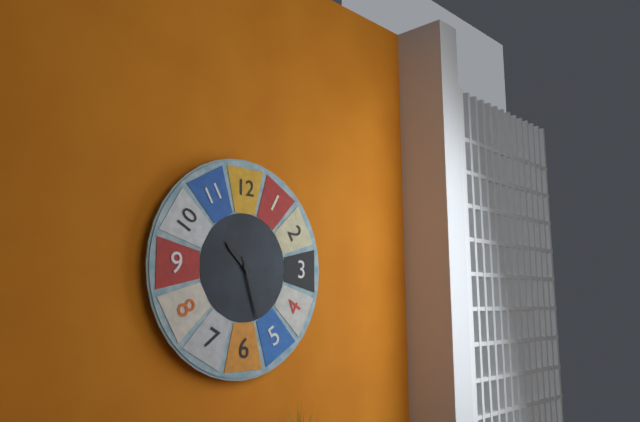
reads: 10,27
